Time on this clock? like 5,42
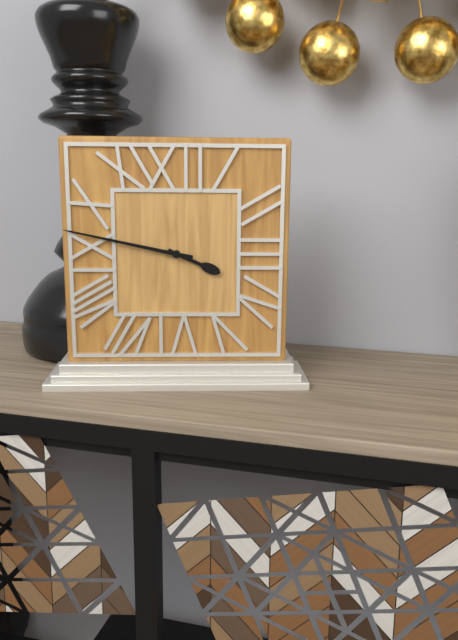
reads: 3,47
